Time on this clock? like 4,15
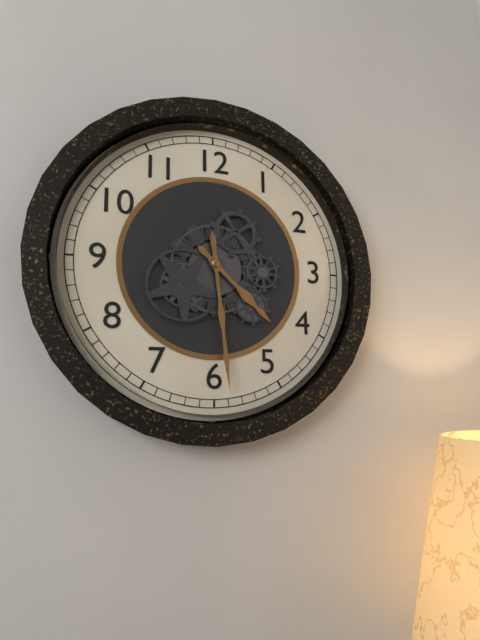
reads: 4,29
